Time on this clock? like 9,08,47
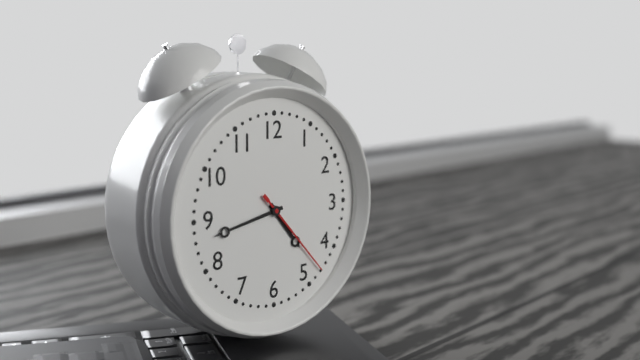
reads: 4,43,23
